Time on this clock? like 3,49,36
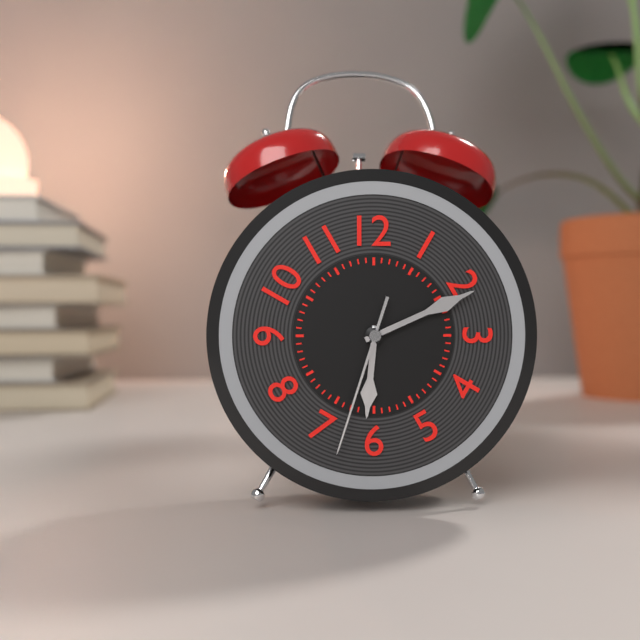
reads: 6,11,33
